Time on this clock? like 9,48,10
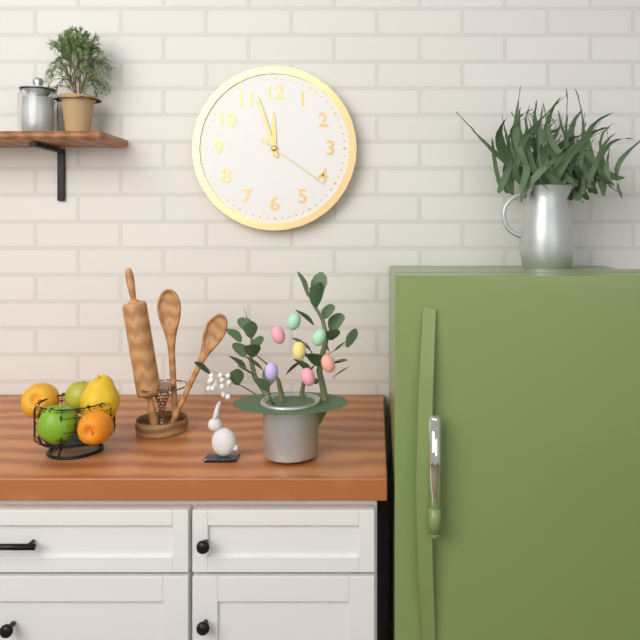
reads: 11,57,21
